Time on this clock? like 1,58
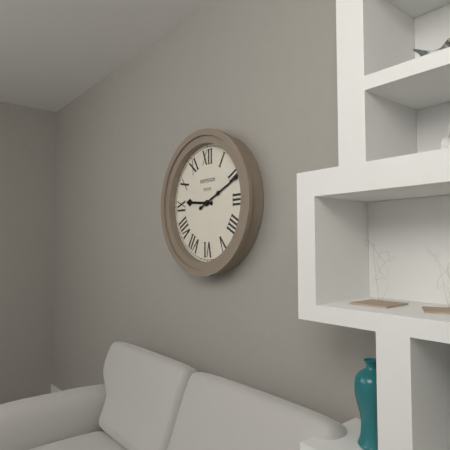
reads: 9,11
